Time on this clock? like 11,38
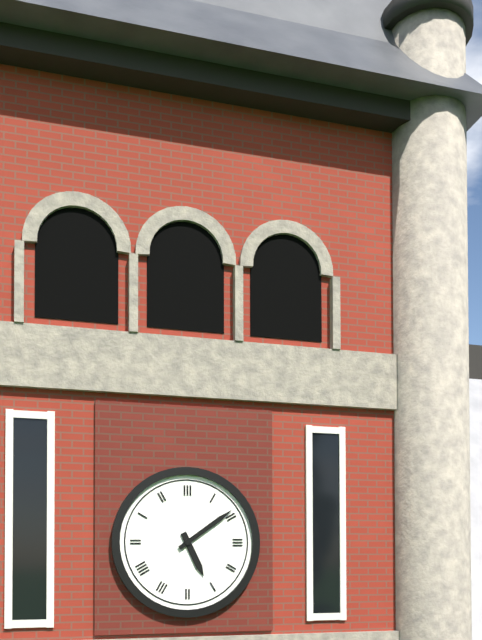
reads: 5,09
